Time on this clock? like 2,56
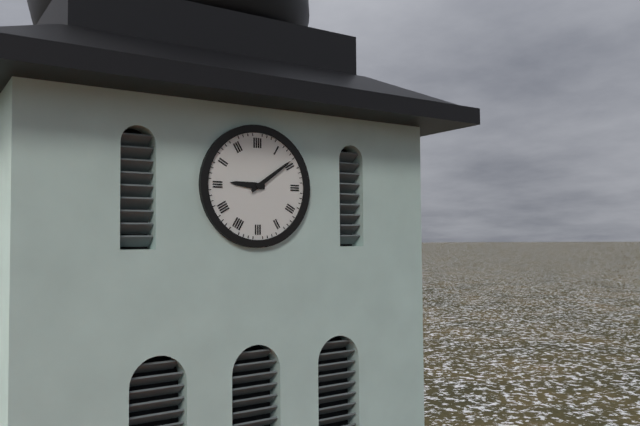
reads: 9,09
